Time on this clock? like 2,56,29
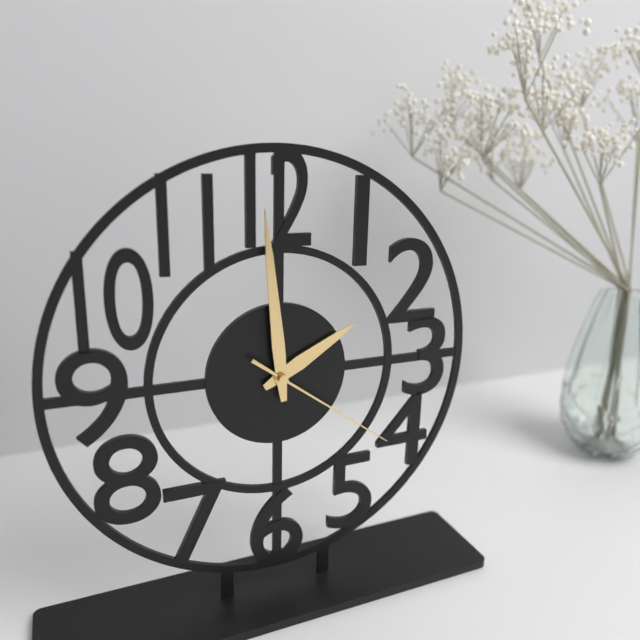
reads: 1,59,21
